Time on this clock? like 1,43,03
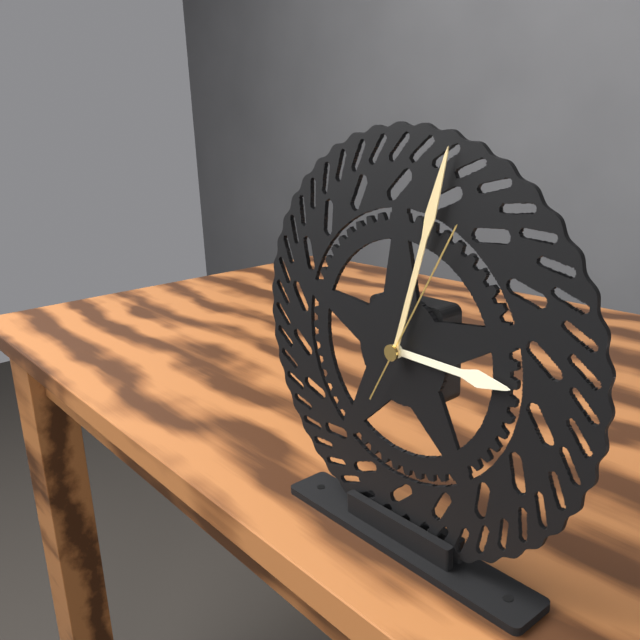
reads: 3,03,05
